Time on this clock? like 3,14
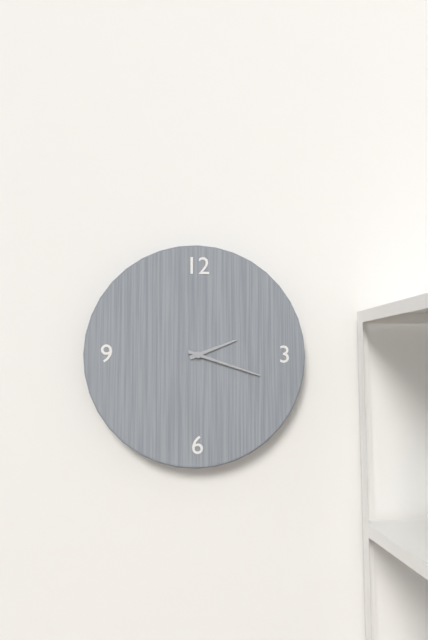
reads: 2,18
